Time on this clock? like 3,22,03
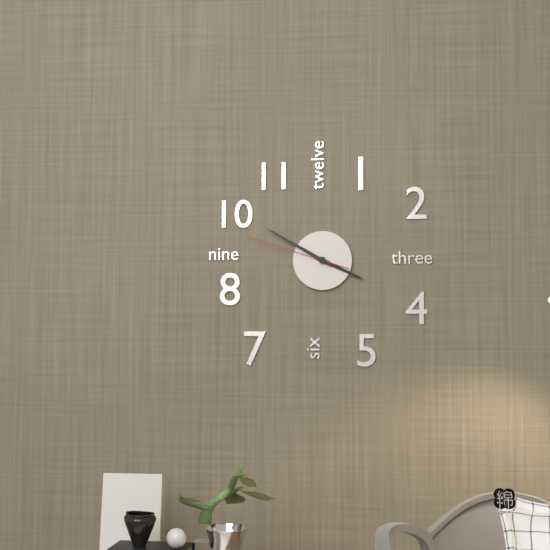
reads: 3,50,48
